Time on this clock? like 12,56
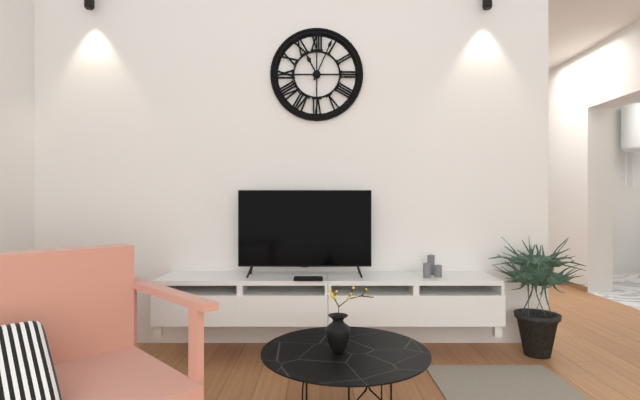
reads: 11,04
